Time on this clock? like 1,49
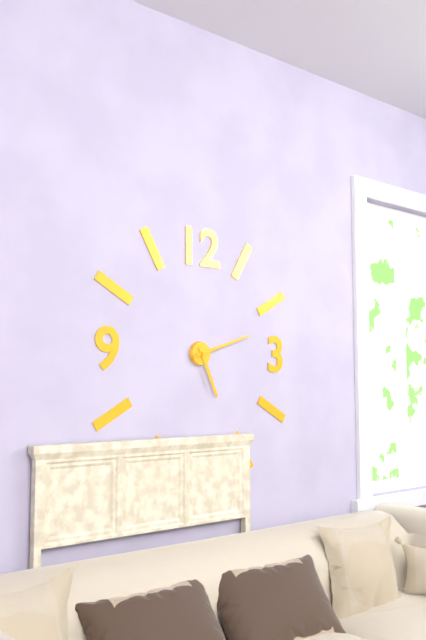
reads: 5,12
